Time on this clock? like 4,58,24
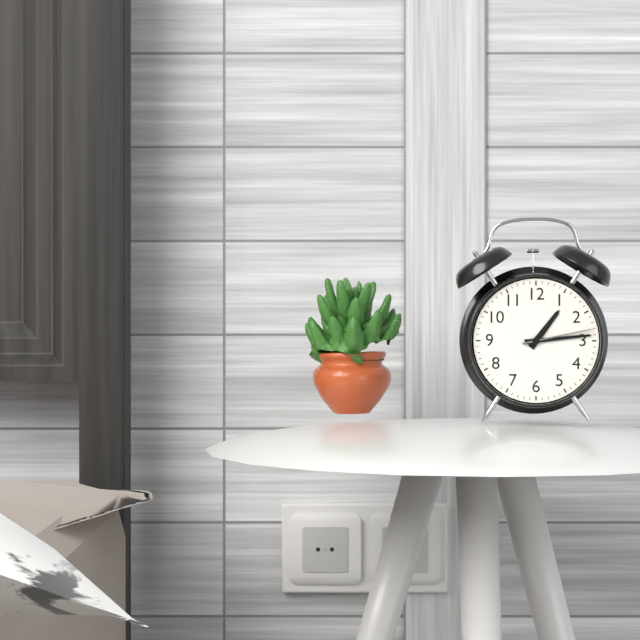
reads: 1,14,13
